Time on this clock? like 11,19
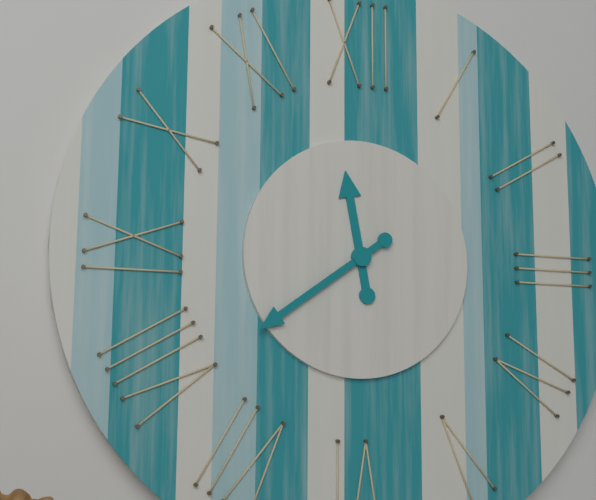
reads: 11,39
